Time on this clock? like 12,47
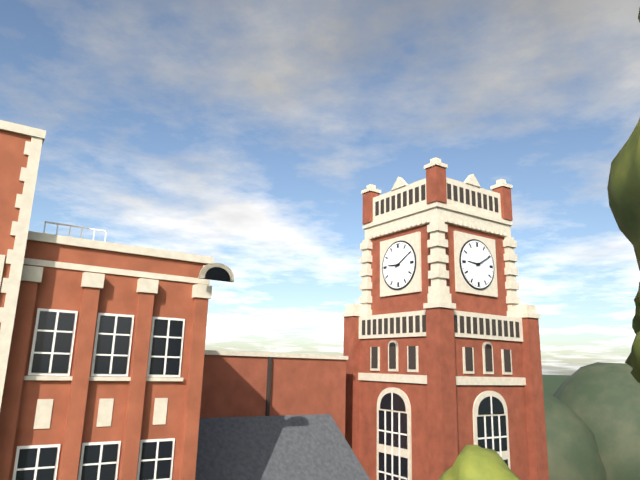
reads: 9,10
